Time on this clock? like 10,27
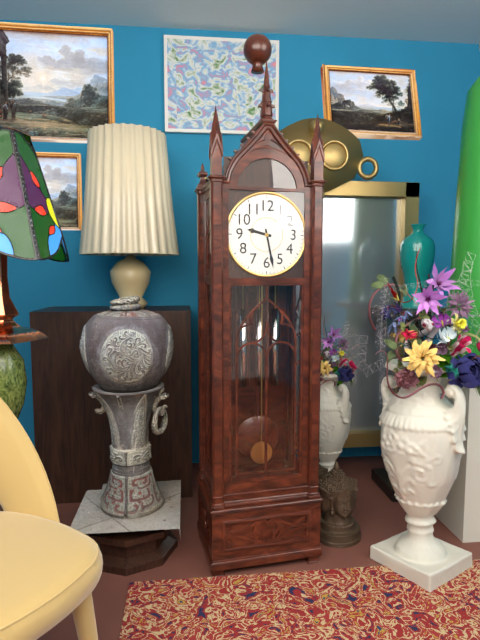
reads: 9,28
